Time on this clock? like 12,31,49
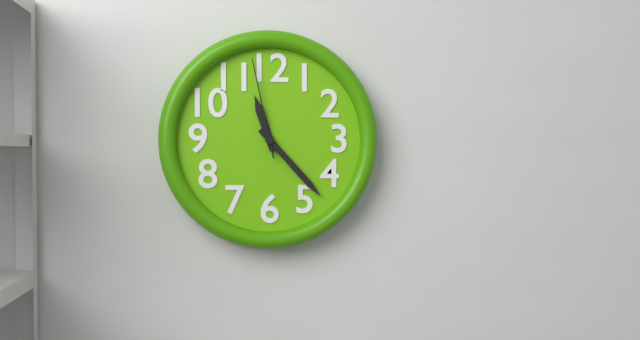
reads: 11,23,58
